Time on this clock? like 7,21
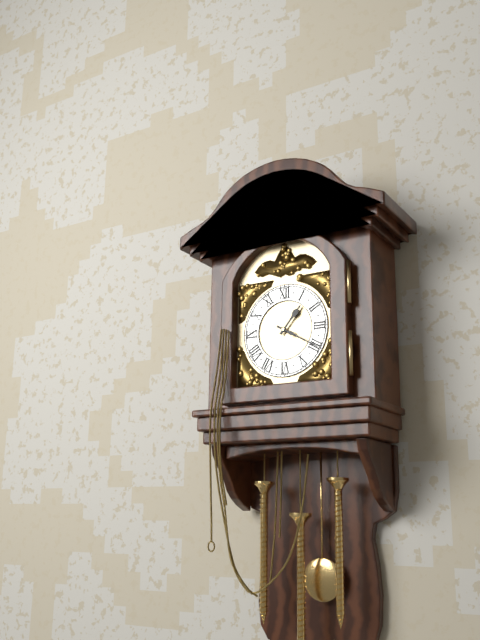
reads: 1,20
